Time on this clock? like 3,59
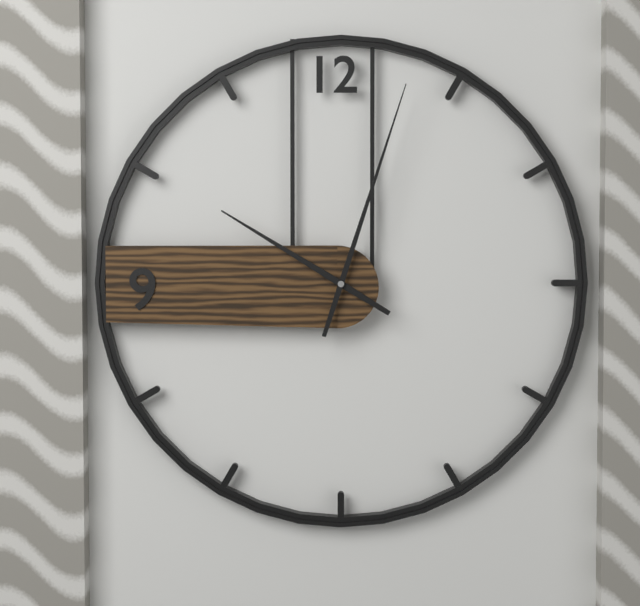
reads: 10,03
